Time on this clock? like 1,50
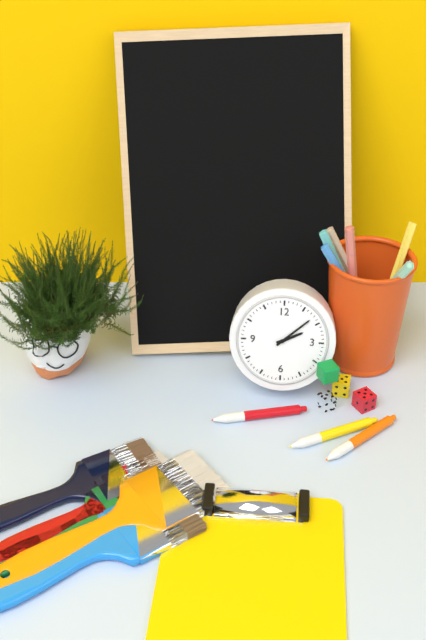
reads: 2,08
